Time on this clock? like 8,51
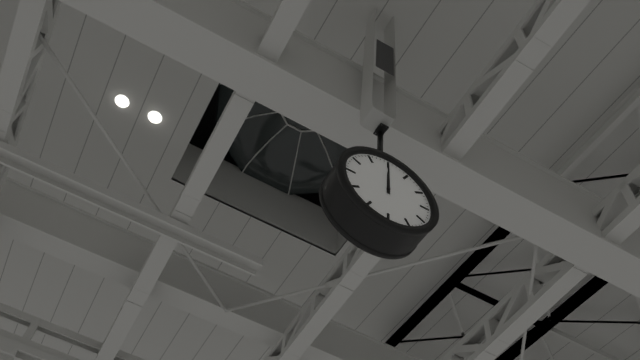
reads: 12,00
